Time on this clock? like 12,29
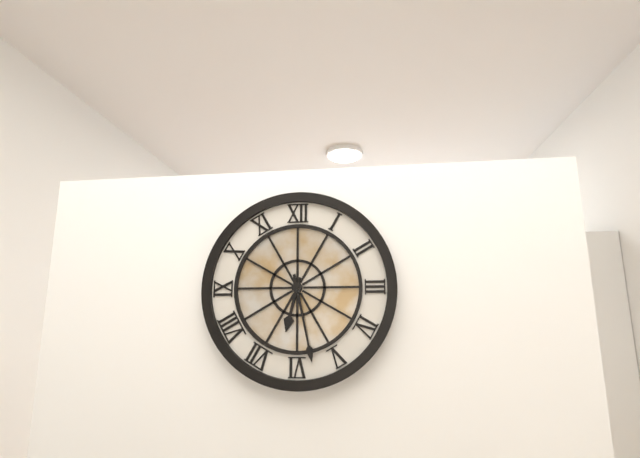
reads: 6,28
